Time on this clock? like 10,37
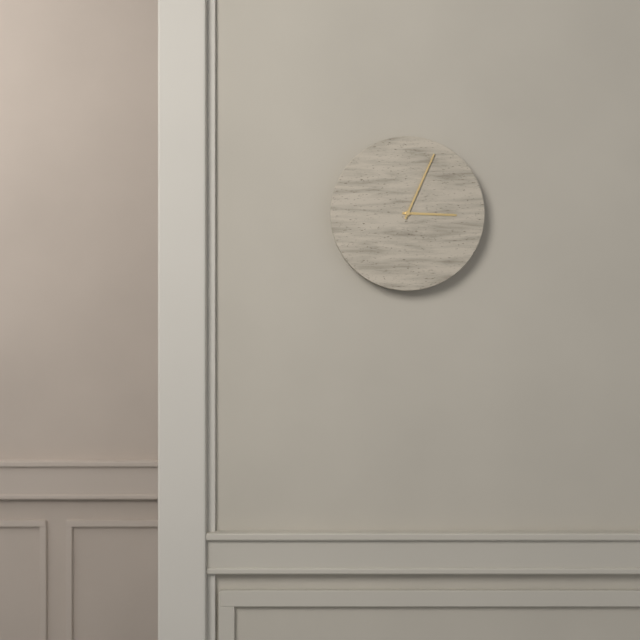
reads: 3,04
